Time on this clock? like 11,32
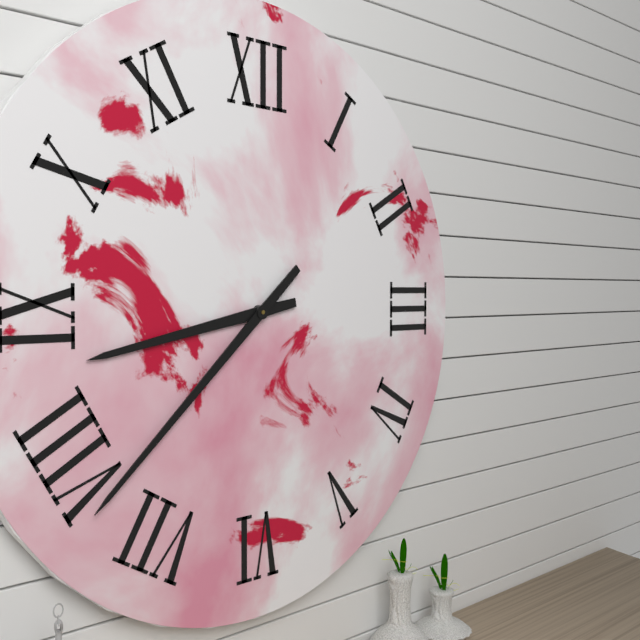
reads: 8,38
